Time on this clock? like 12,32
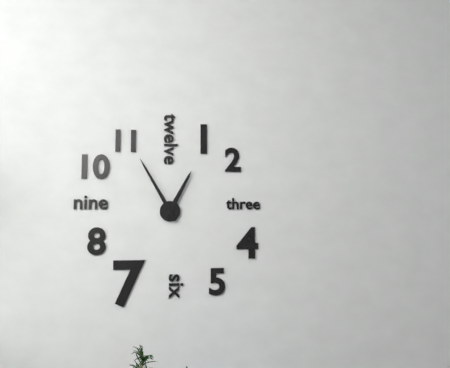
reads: 12,55
